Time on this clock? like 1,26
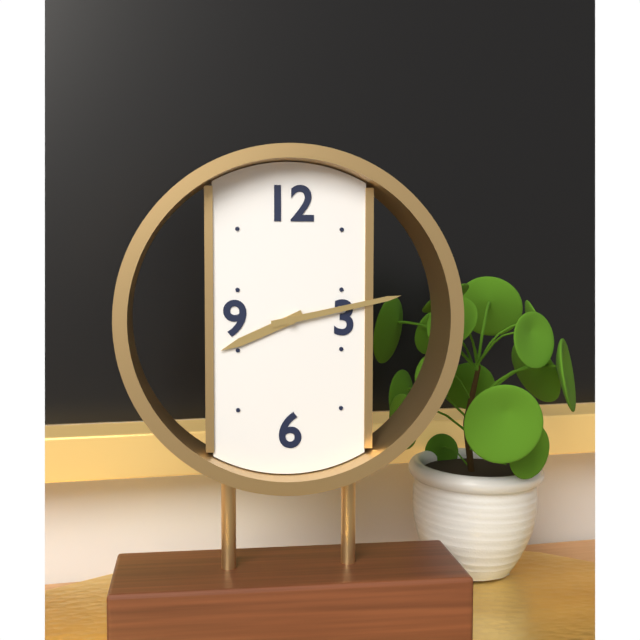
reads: 8,13
